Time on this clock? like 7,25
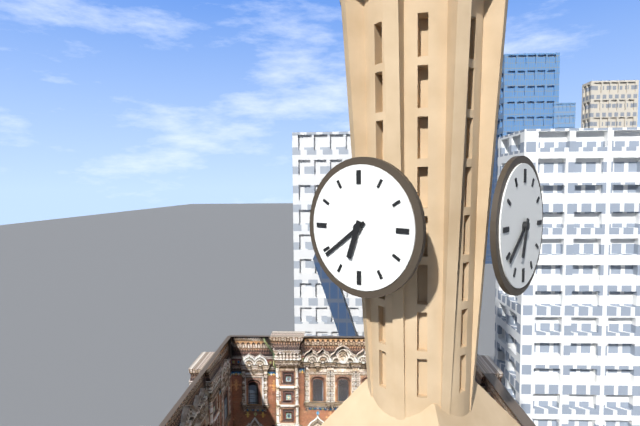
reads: 6,39
